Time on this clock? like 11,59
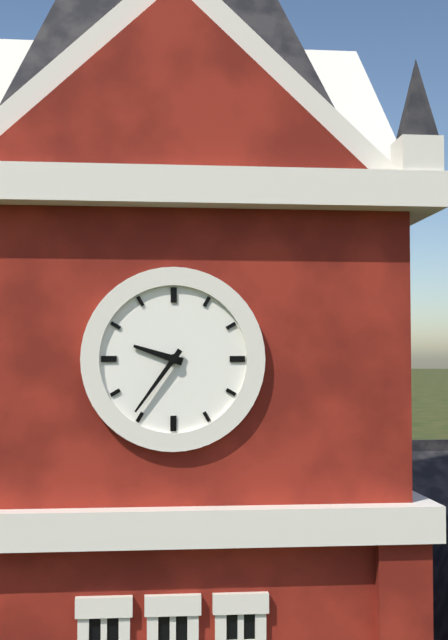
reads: 9,36
